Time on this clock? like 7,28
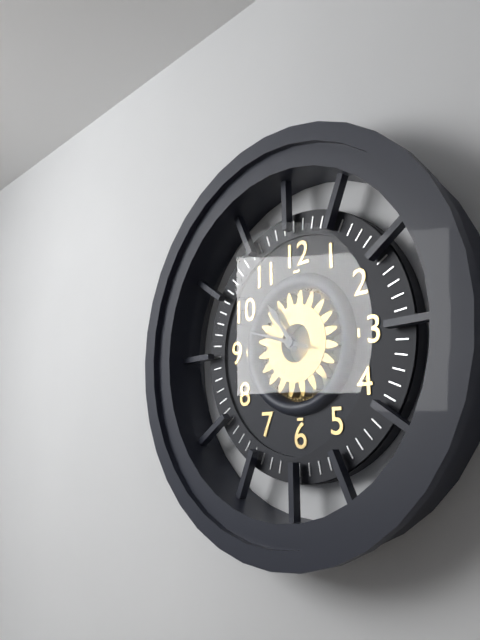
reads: 10,48
